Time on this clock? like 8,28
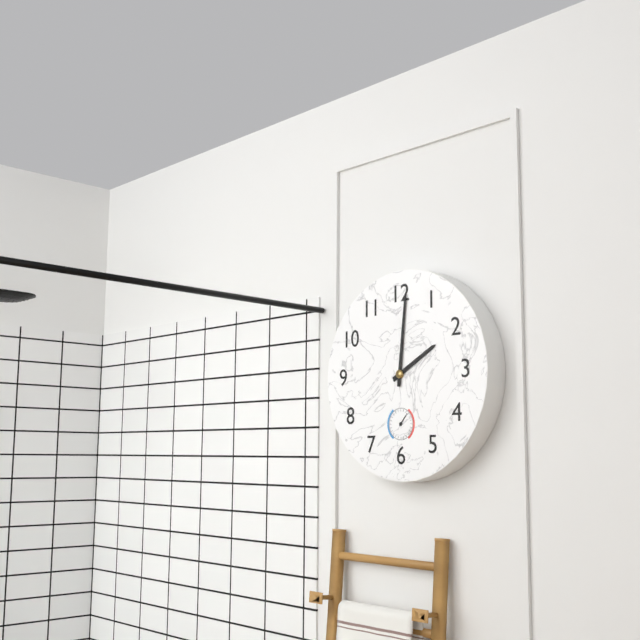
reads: 2,01
